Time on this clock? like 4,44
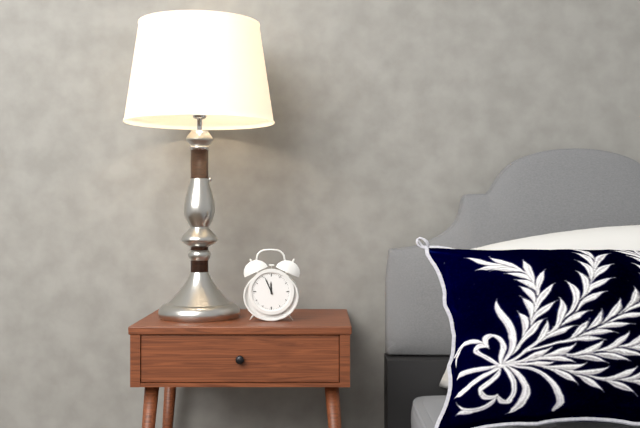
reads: 11,56
